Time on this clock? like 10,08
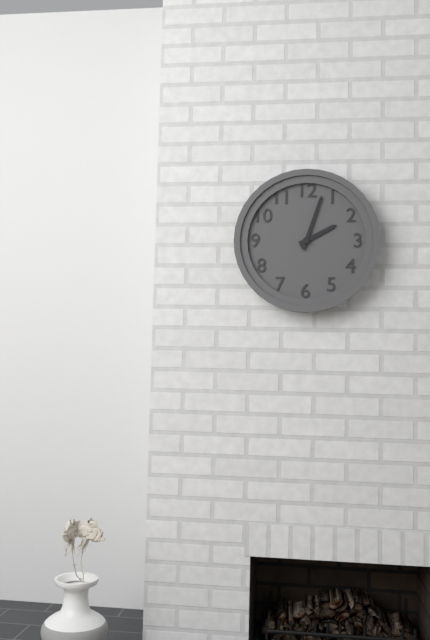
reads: 2,03
